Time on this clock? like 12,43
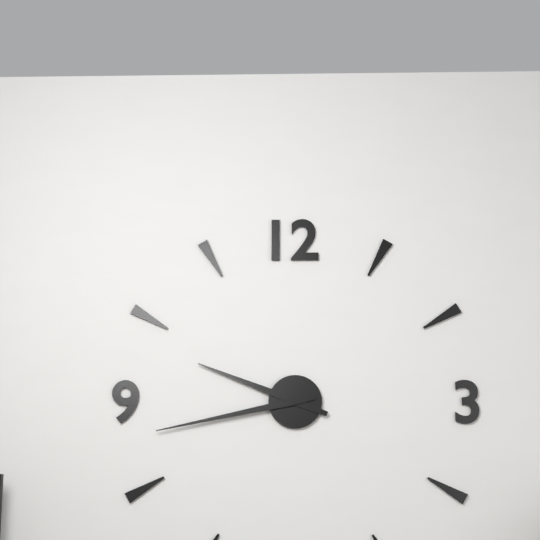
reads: 9,43
